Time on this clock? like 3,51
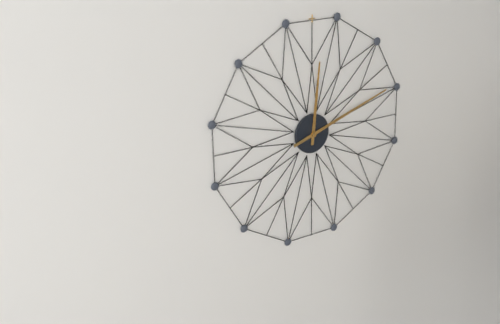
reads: 12,12
